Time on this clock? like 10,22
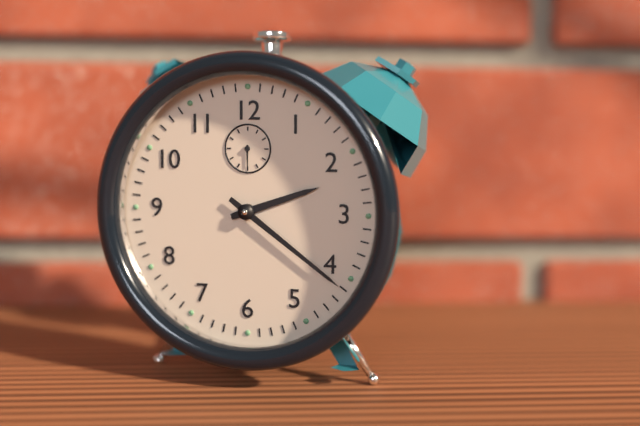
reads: 2,21
